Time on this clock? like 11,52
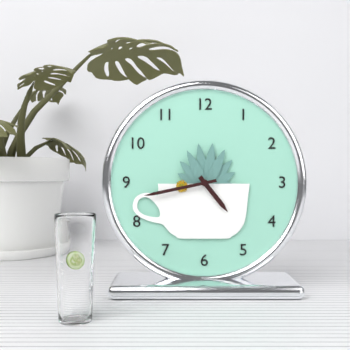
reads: 4,43
